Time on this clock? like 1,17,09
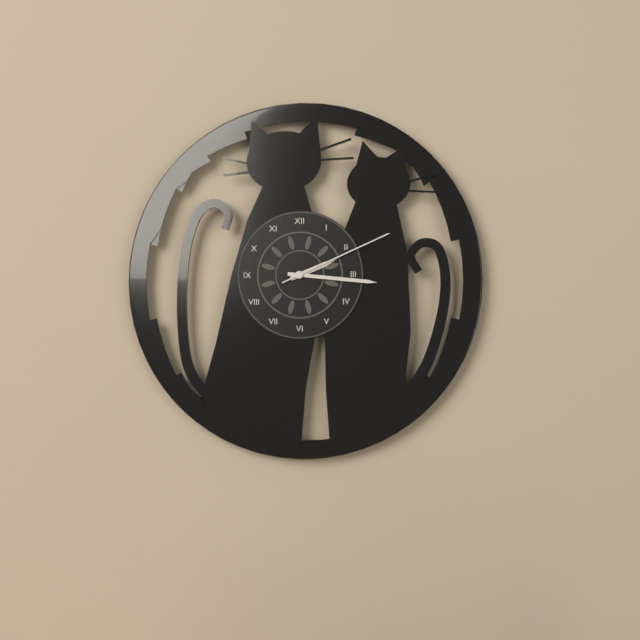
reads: 2,16,11
